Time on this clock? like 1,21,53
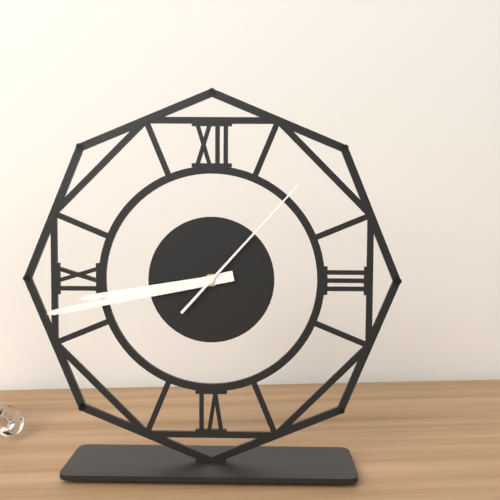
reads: 8,43,07
